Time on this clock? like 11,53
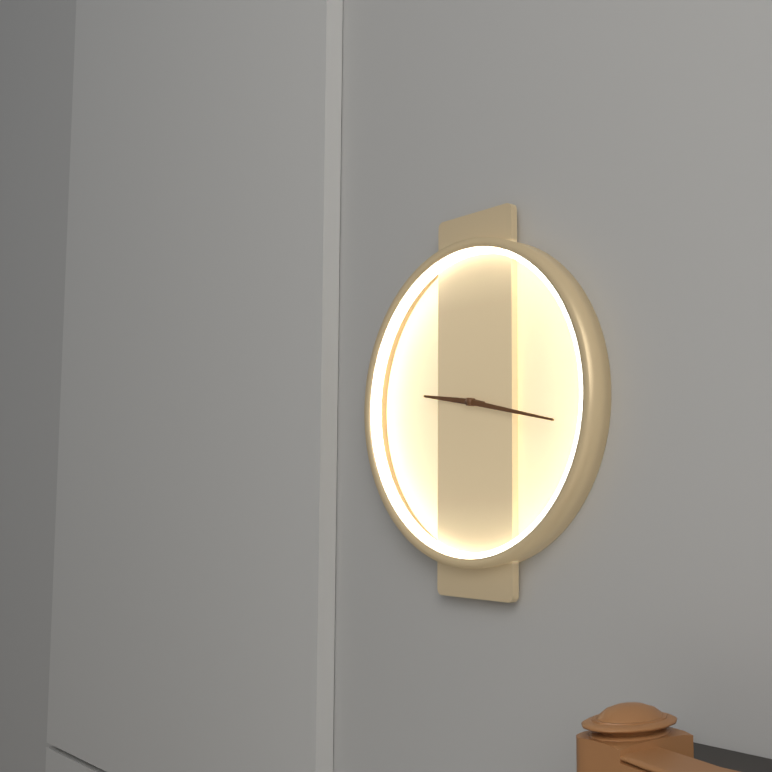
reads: 9,17
